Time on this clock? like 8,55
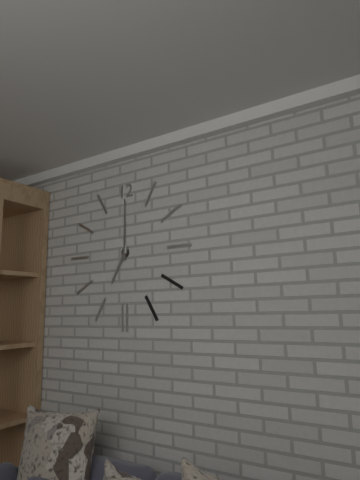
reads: 7,00
